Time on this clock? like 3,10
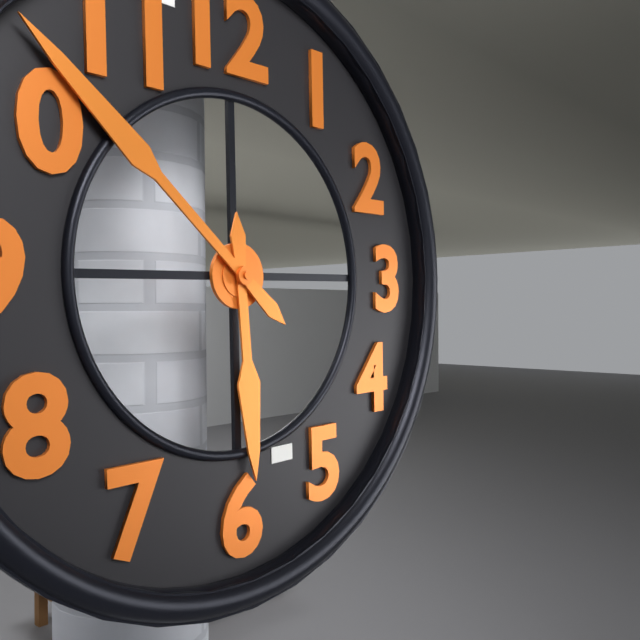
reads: 5,52
